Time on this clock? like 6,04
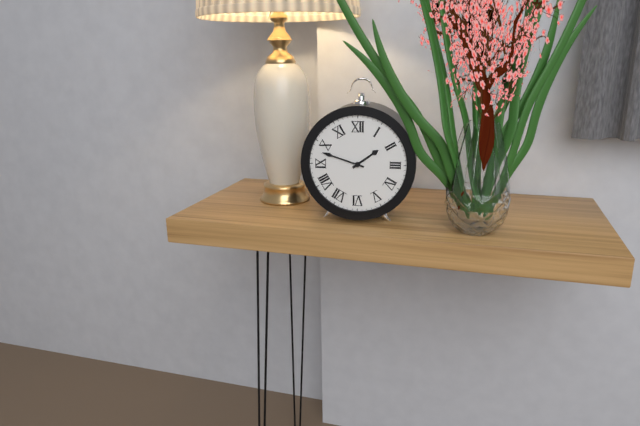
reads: 1,48
